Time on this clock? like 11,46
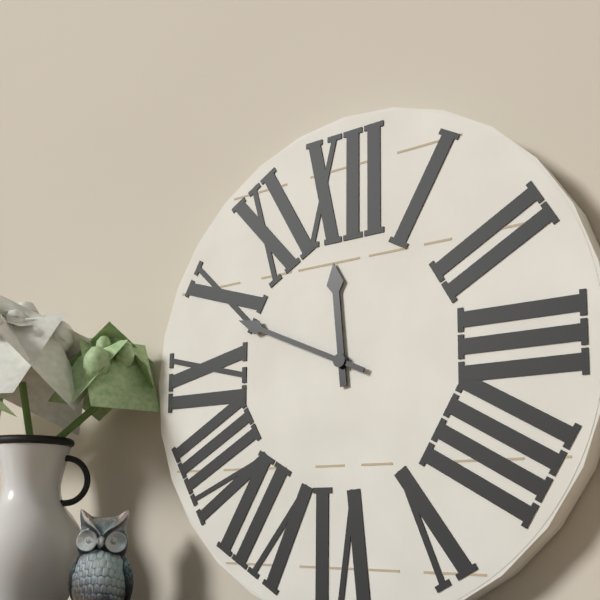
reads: 11,49
